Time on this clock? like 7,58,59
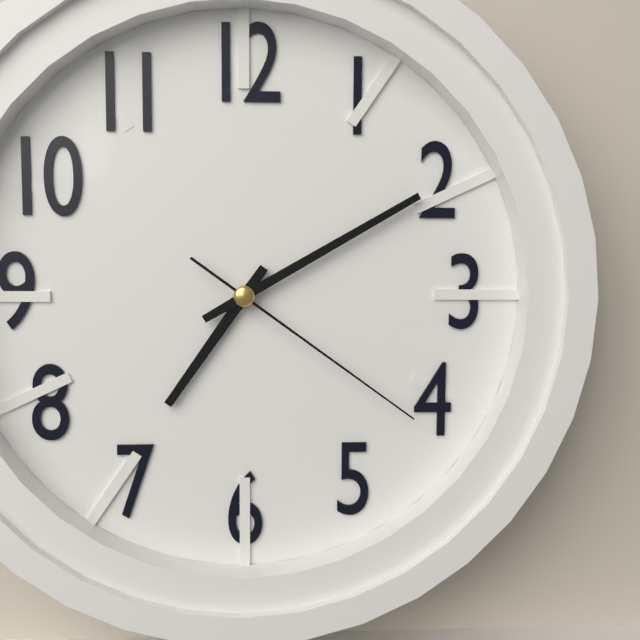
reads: 7,10,21
